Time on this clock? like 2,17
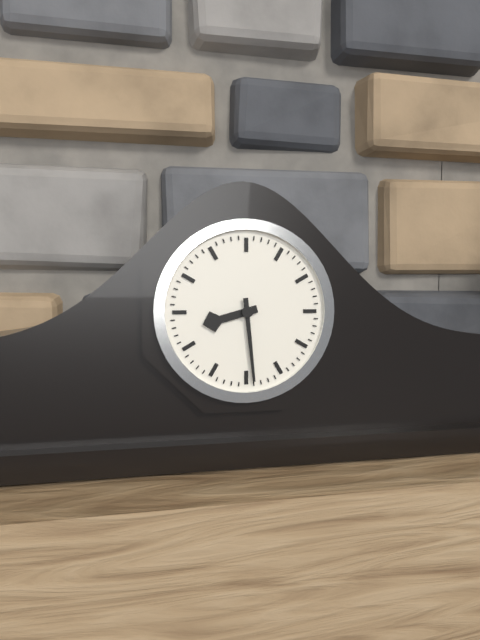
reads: 8,29
